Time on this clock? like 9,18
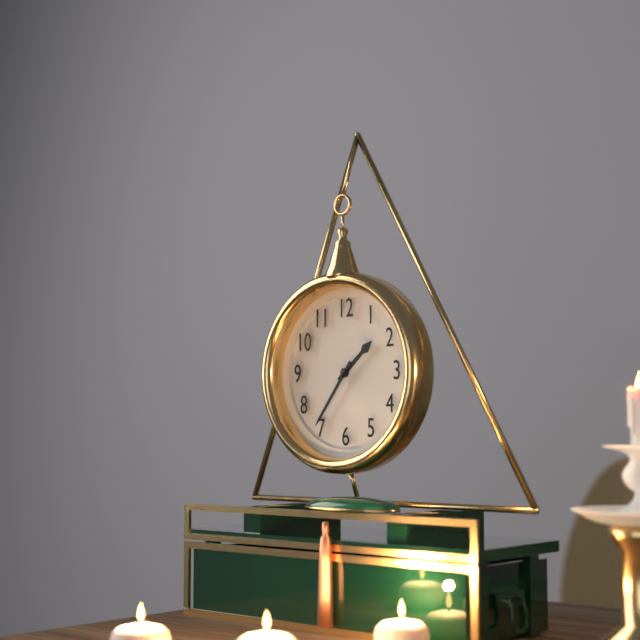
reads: 1,36
